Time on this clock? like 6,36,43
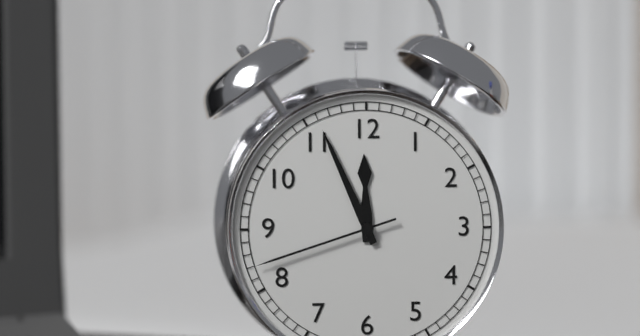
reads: 11,56,42
